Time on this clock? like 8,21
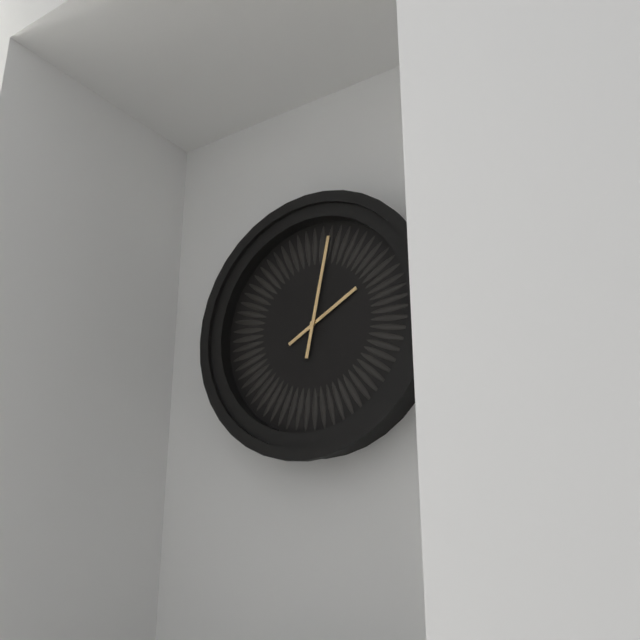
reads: 2,02
